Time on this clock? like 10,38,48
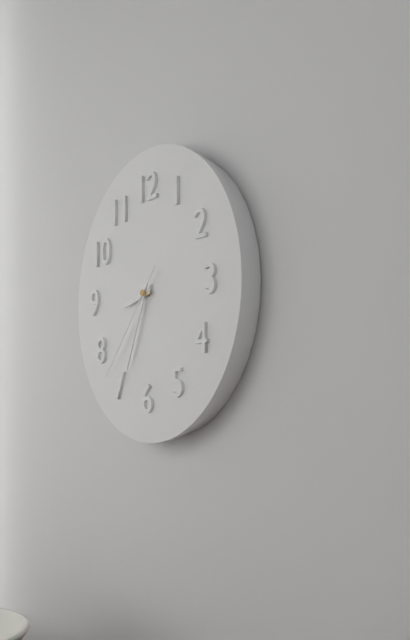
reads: 8,34,37
